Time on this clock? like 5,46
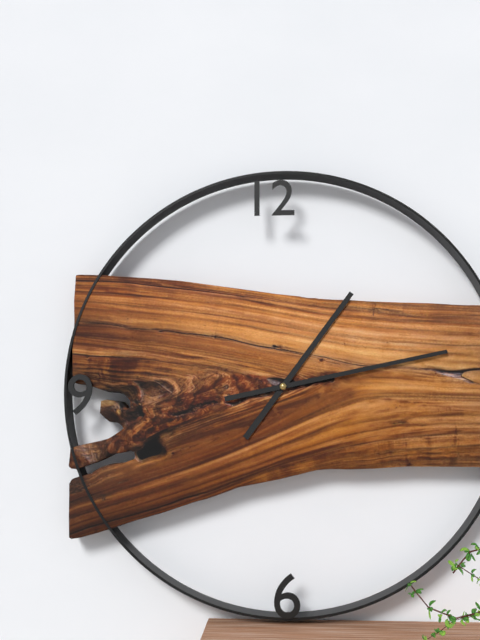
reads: 1,13
